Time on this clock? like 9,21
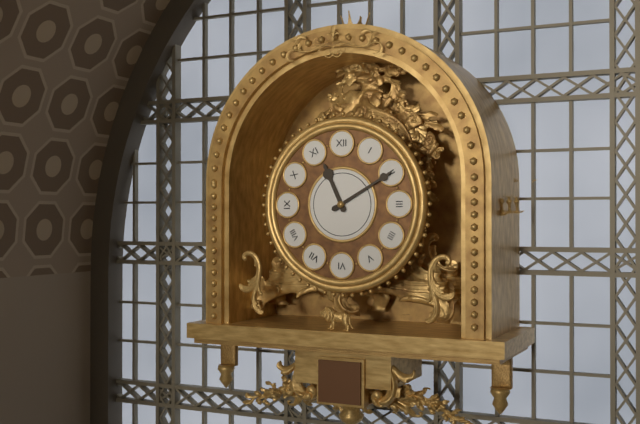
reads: 11,10
